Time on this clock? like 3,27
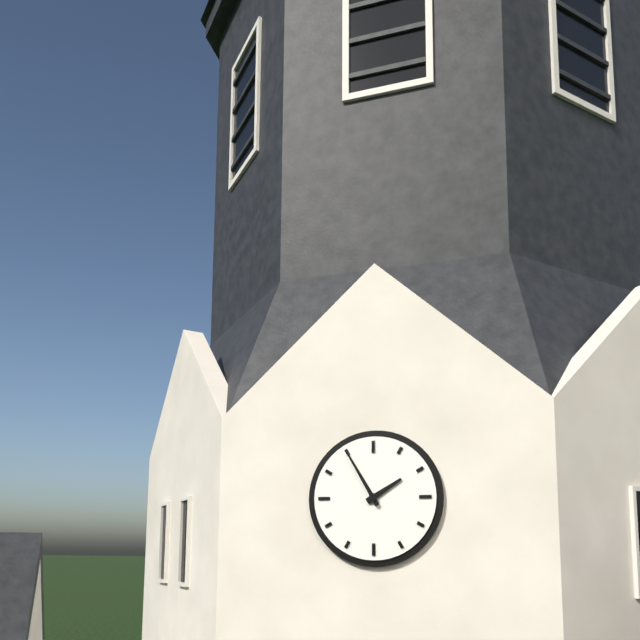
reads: 1,55
